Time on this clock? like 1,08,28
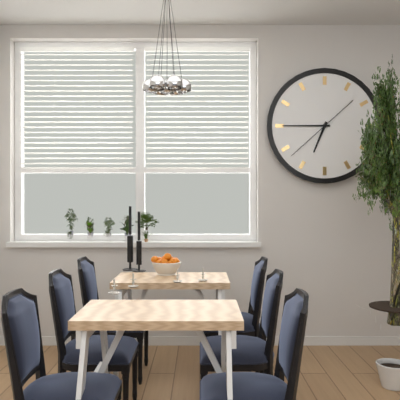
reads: 6,45,38
